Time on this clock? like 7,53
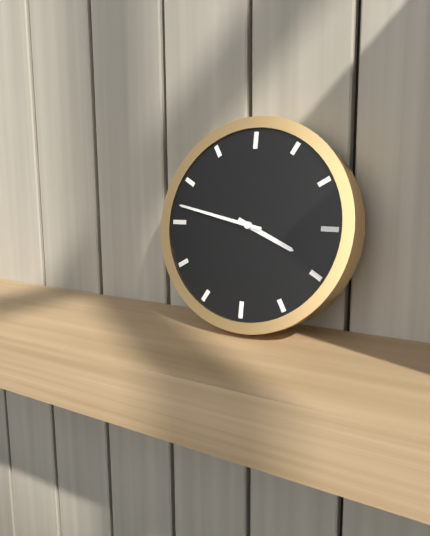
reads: 3,47
